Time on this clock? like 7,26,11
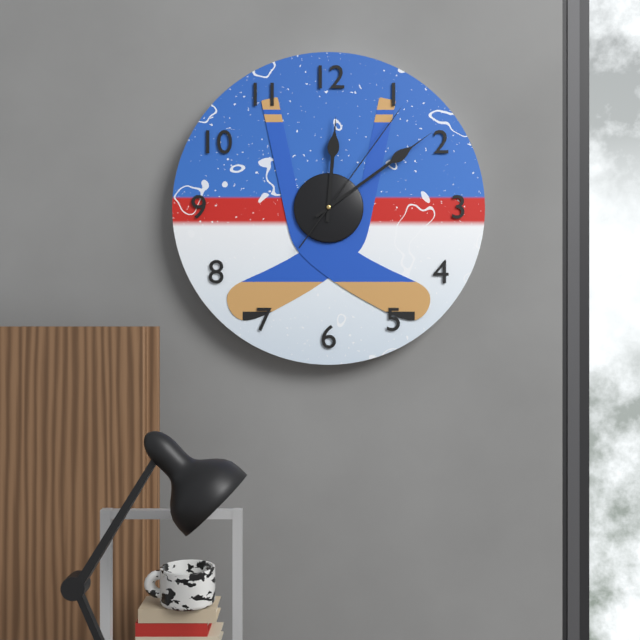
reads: 12,09,06
